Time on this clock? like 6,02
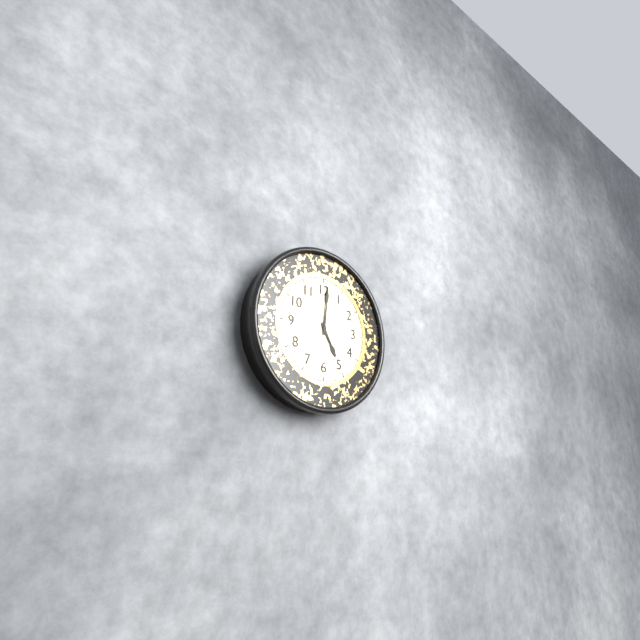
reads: 5,01
